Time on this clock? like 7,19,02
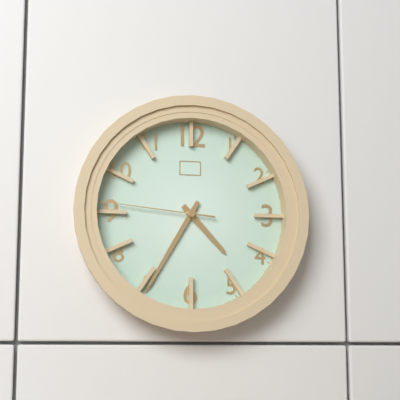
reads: 4,35,46
